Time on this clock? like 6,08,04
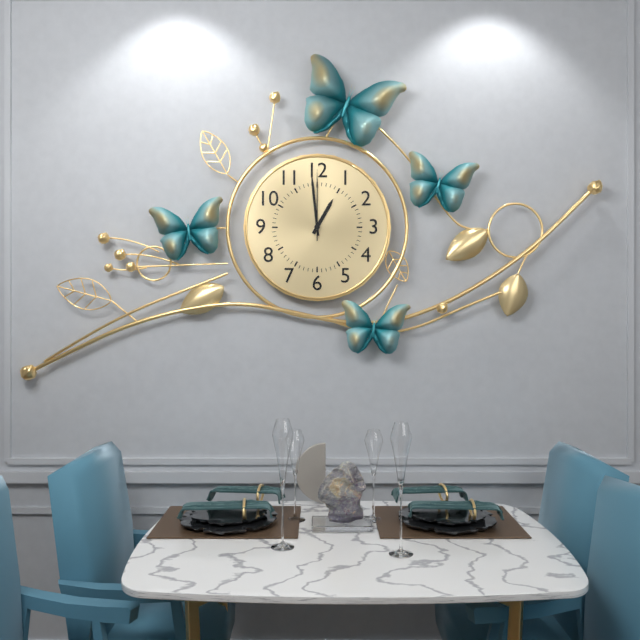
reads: 12,59,00
